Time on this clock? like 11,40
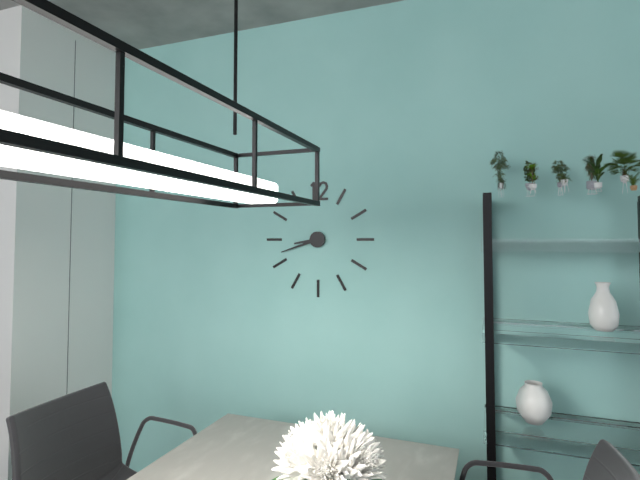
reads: 8,42
